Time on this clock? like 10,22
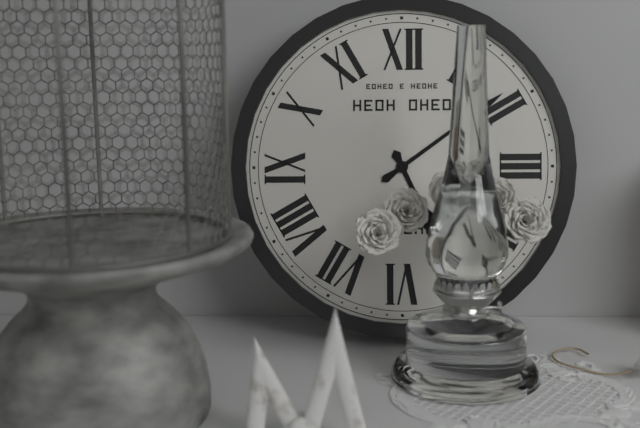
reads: 5,09
